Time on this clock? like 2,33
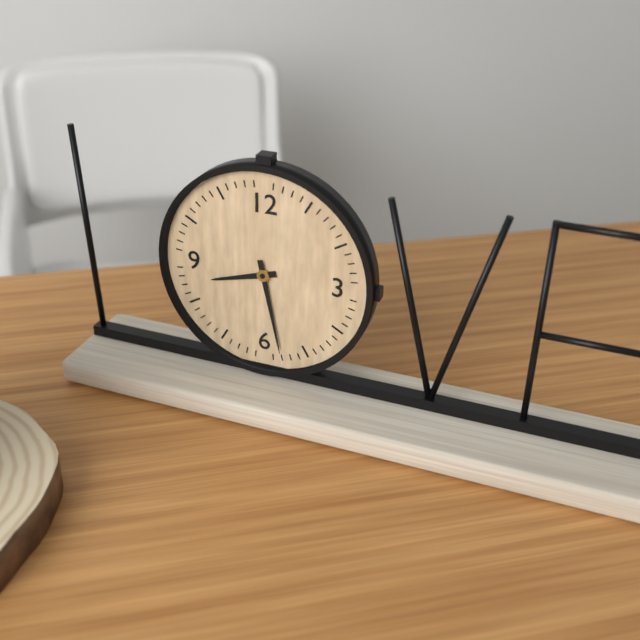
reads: 8,28
